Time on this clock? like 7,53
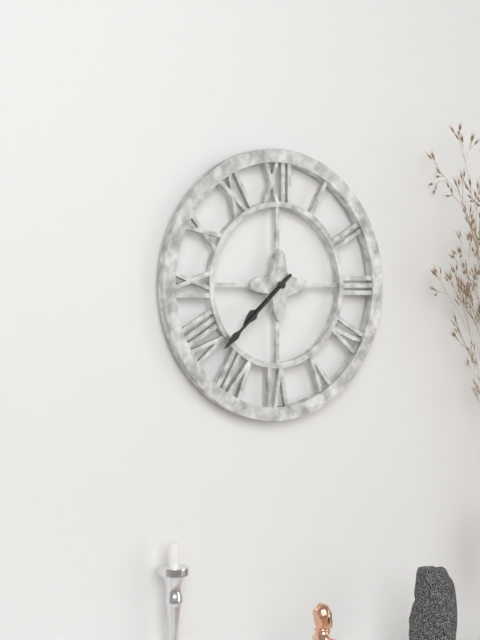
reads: 7,38
